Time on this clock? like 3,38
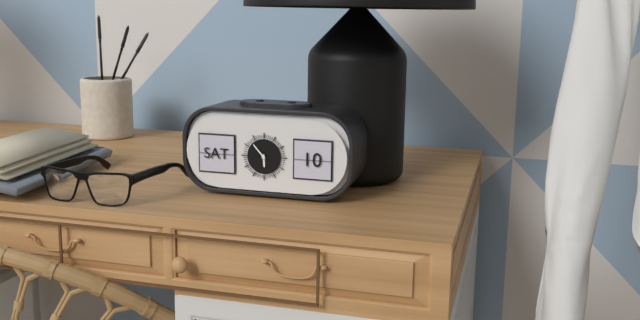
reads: 5,53
